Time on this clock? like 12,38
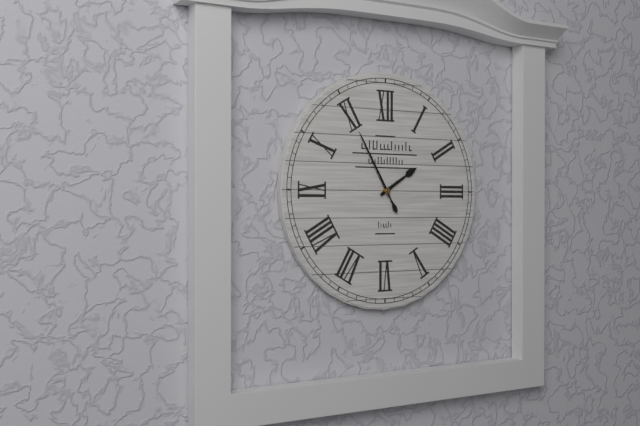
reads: 1,55
